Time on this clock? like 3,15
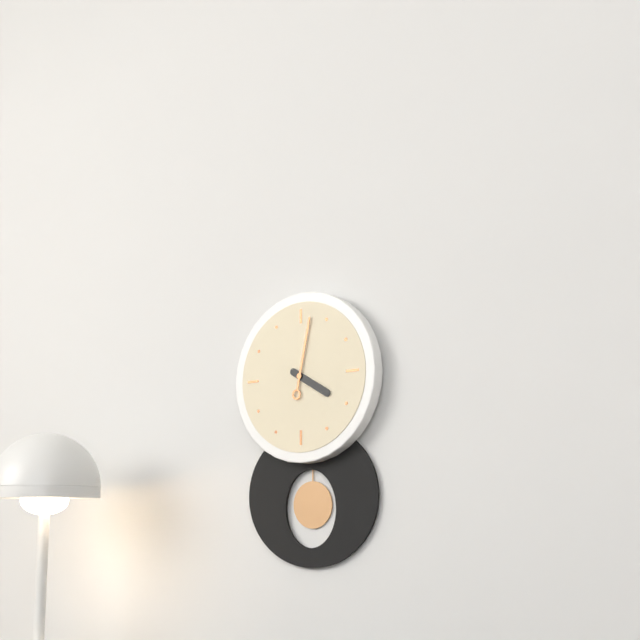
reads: 4,02
